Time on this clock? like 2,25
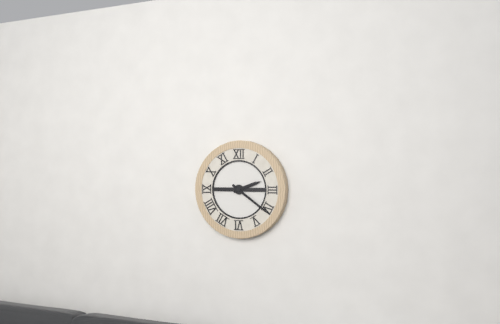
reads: 2,21
